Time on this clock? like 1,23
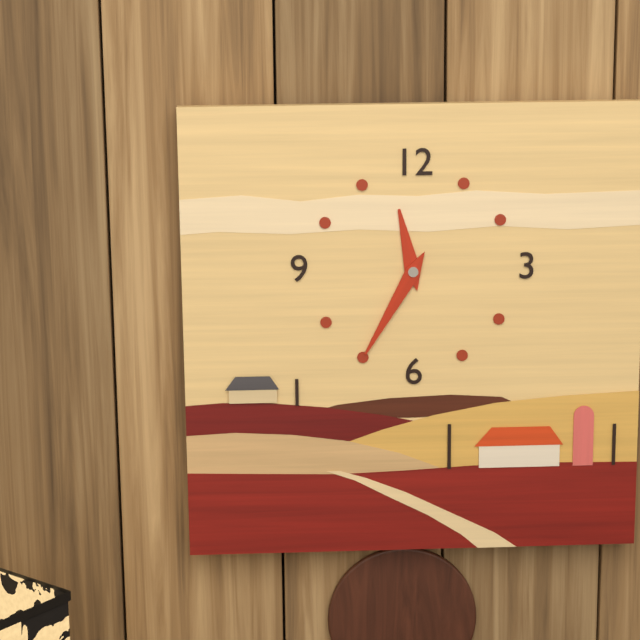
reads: 11,35
